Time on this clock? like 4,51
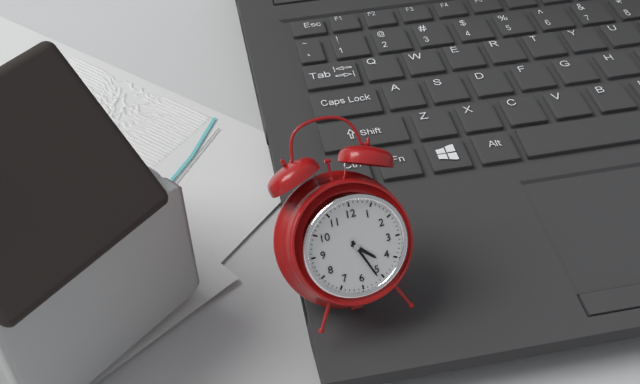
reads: 4,26
